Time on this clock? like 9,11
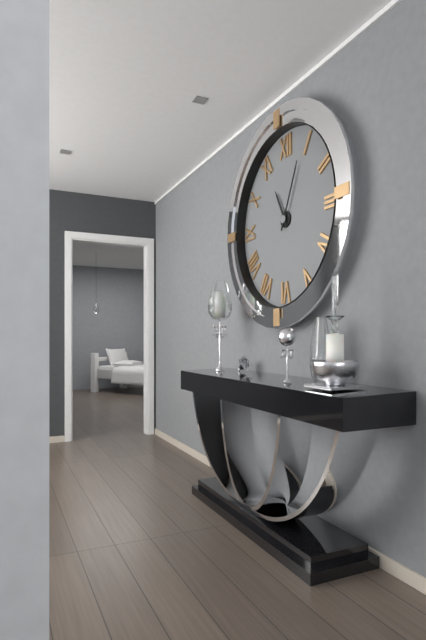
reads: 11,04
